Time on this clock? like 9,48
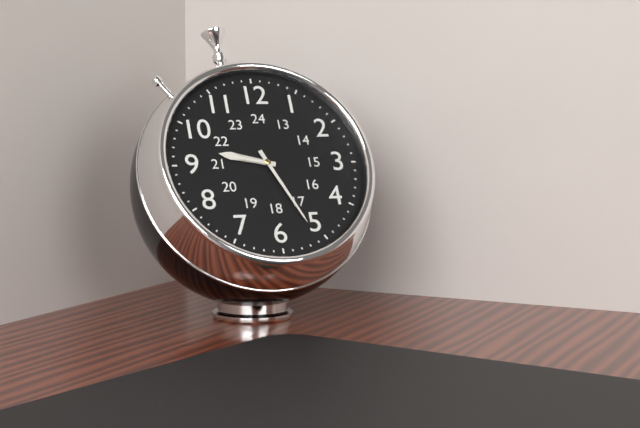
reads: 9,26
